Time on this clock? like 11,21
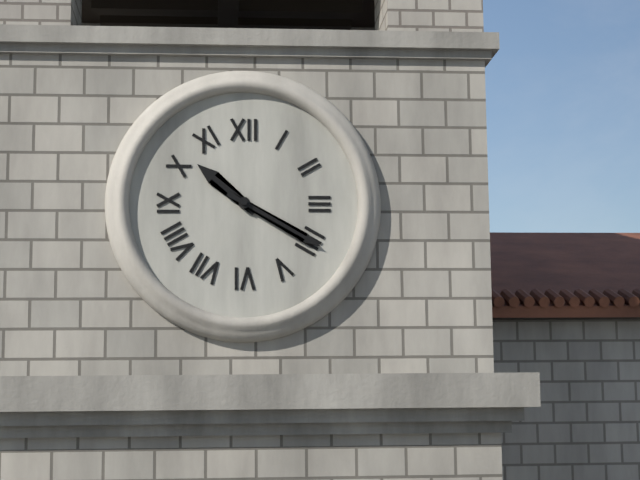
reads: 10,20
